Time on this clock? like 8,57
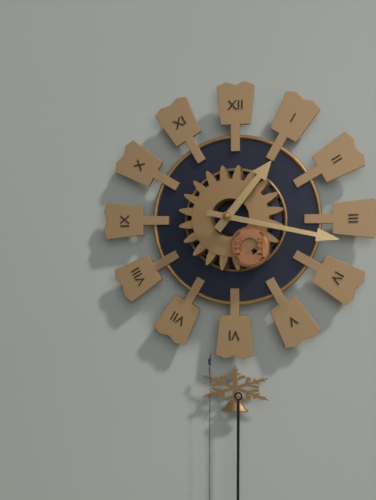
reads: 1,17
